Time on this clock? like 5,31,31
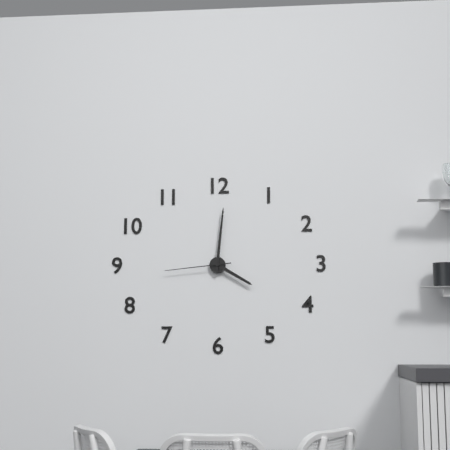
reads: 4,01,44
